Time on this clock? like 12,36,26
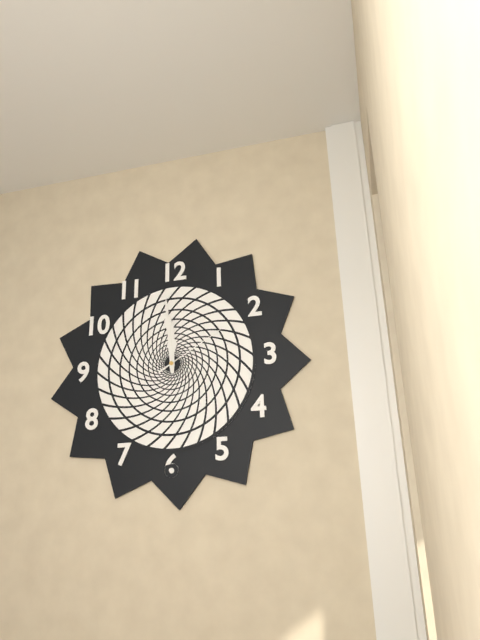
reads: 11,59,10
